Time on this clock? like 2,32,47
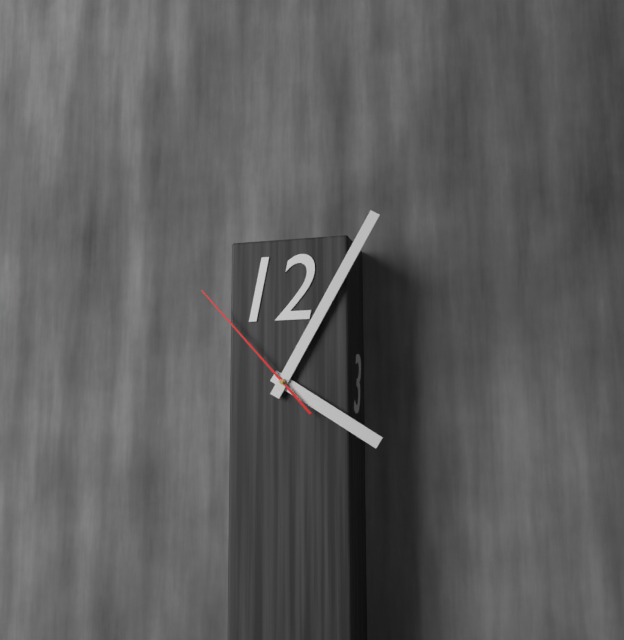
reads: 4,05,53
